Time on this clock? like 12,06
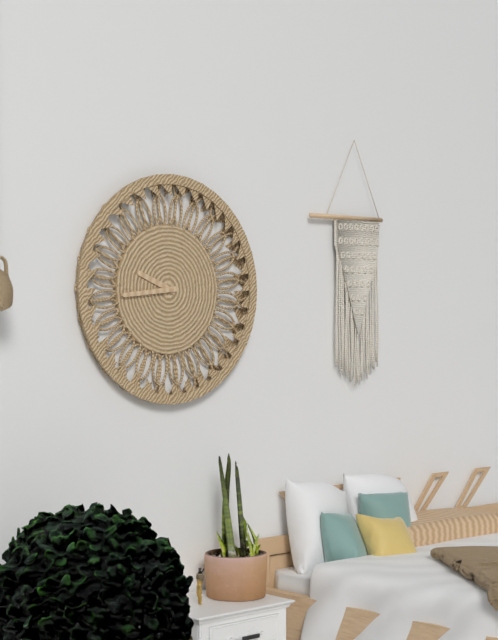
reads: 9,44
